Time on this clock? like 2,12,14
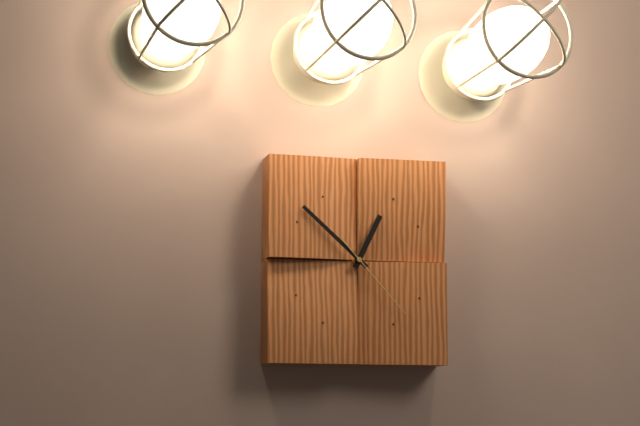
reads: 12,52,23
